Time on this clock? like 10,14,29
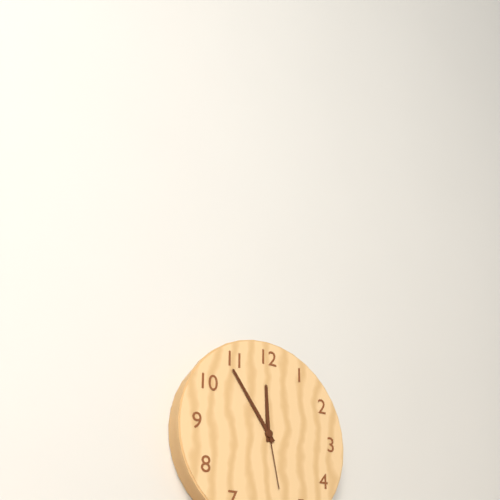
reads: 11,54,28
